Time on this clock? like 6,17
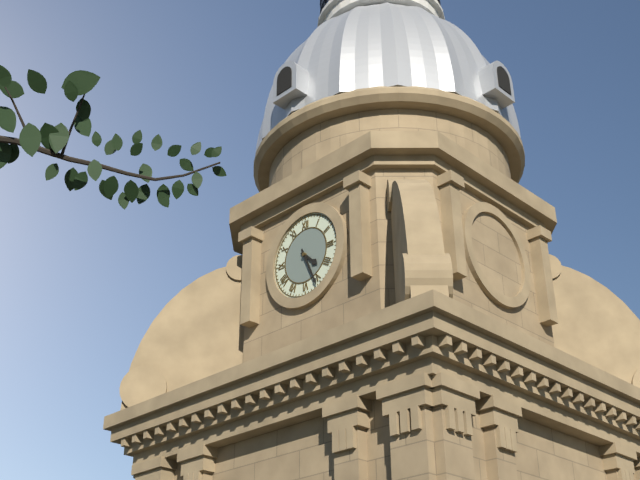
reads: 4,26
